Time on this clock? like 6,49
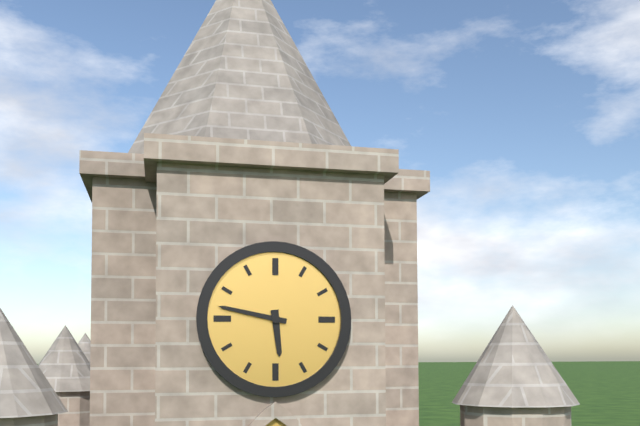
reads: 5,47
